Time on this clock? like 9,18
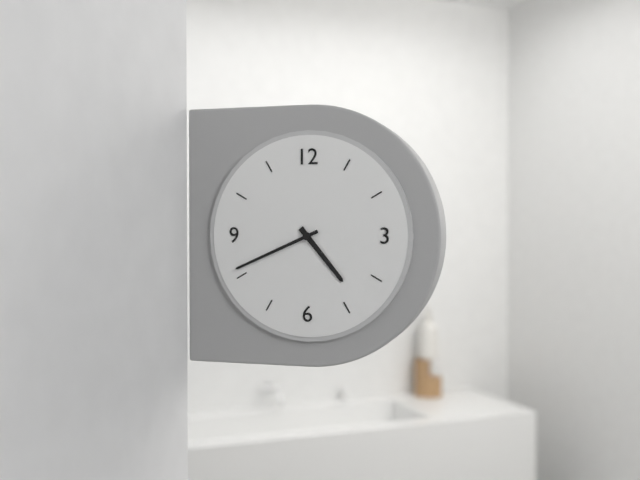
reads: 4,41
